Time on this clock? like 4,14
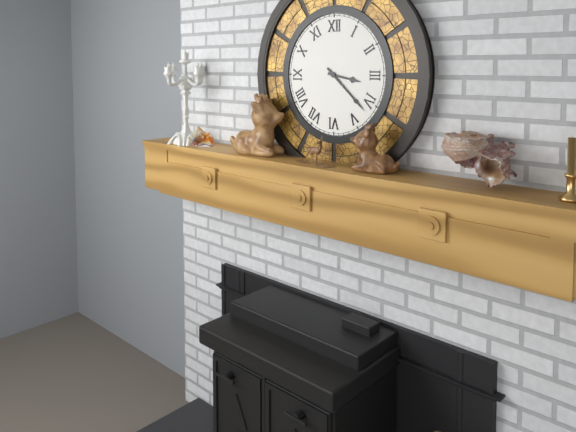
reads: 3,22
